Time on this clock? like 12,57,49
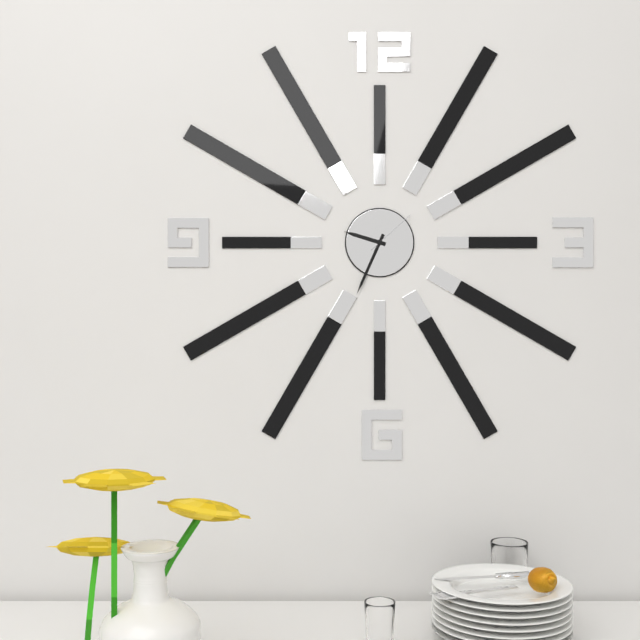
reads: 9,34,08
